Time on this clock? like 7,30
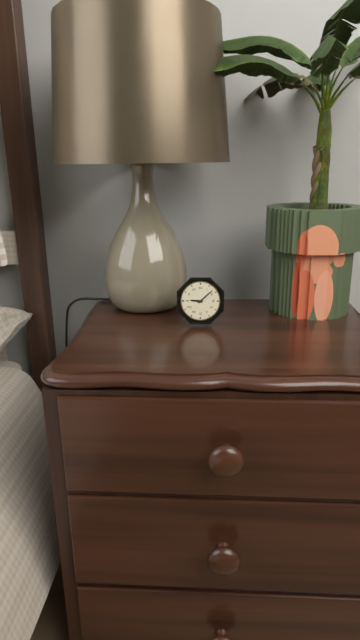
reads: 9,08
